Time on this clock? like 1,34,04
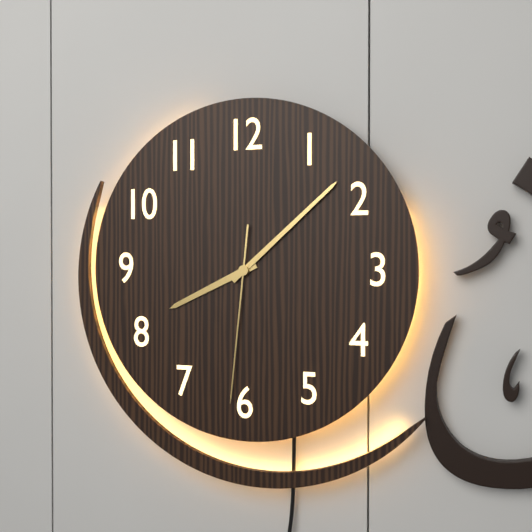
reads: 8,08,31
